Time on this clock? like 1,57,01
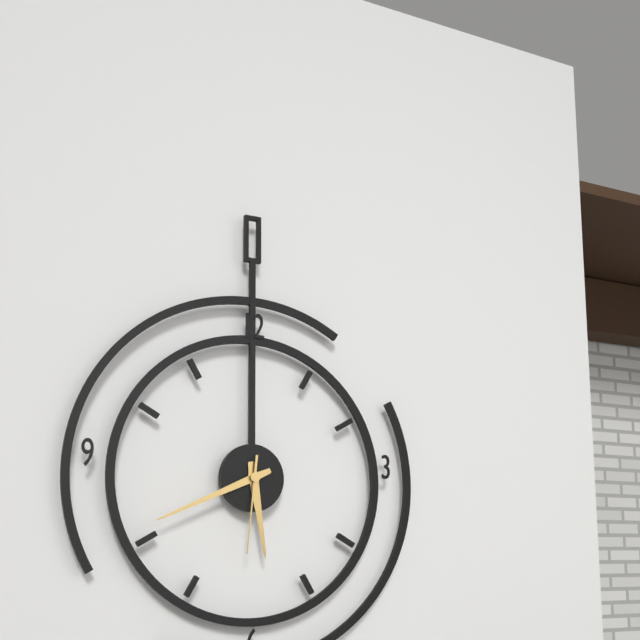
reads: 5,41,31
